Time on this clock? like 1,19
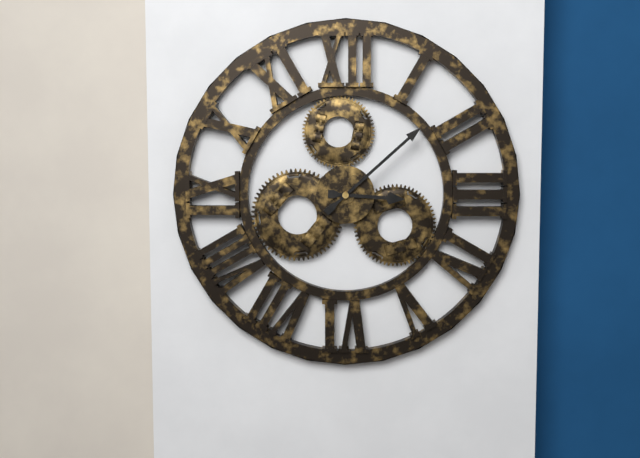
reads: 3,08
